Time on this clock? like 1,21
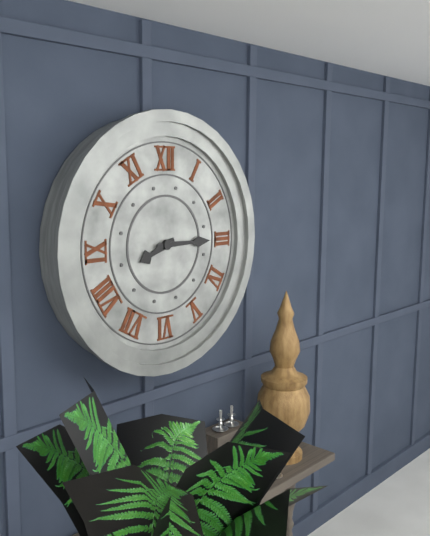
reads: 8,15
